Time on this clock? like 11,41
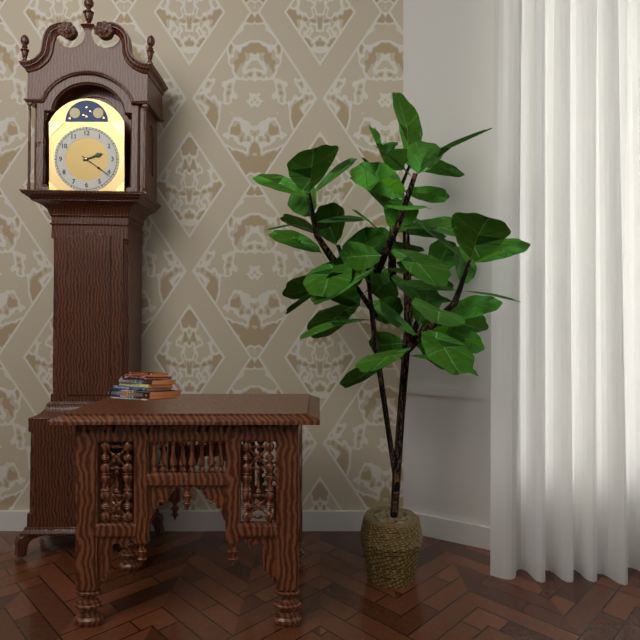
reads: 2,21
